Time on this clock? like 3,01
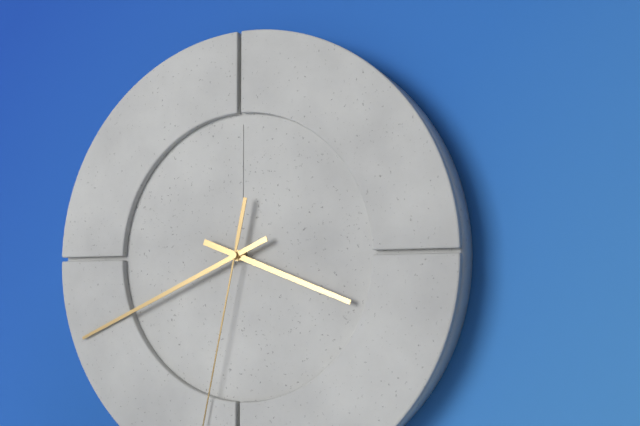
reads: 3,41
